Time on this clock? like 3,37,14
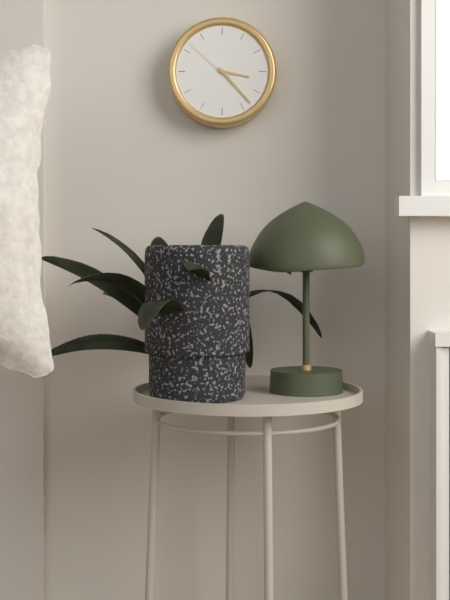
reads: 3,23,52
